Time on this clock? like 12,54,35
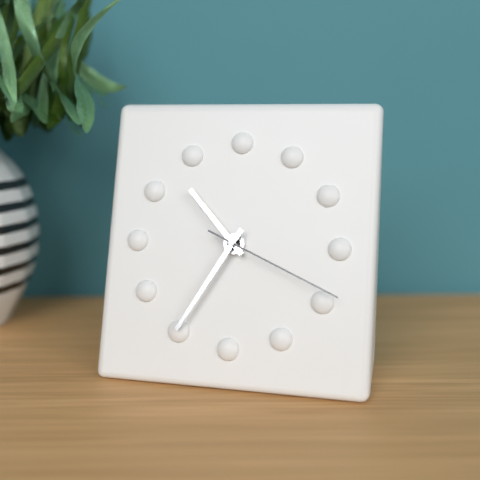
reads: 10,35,19
